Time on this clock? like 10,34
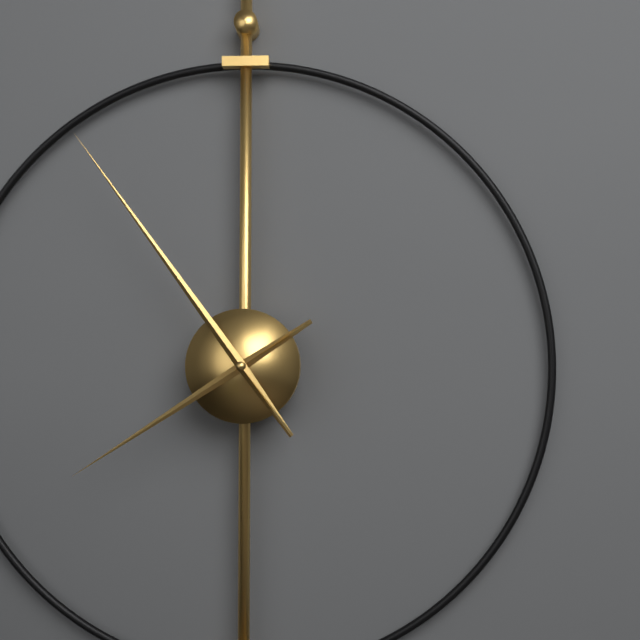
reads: 7,54
